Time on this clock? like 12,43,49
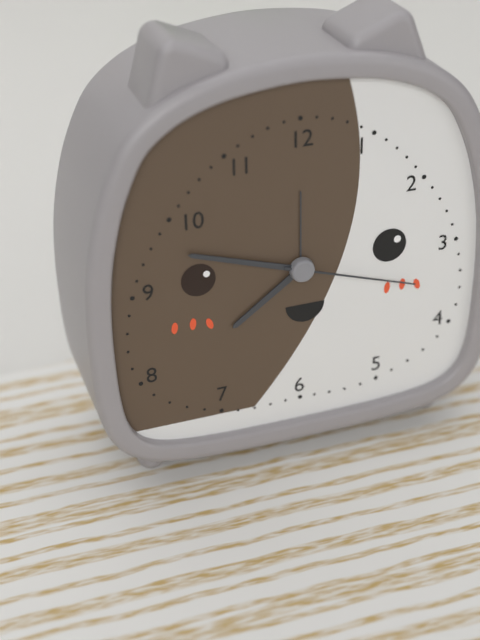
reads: 7,48,18
